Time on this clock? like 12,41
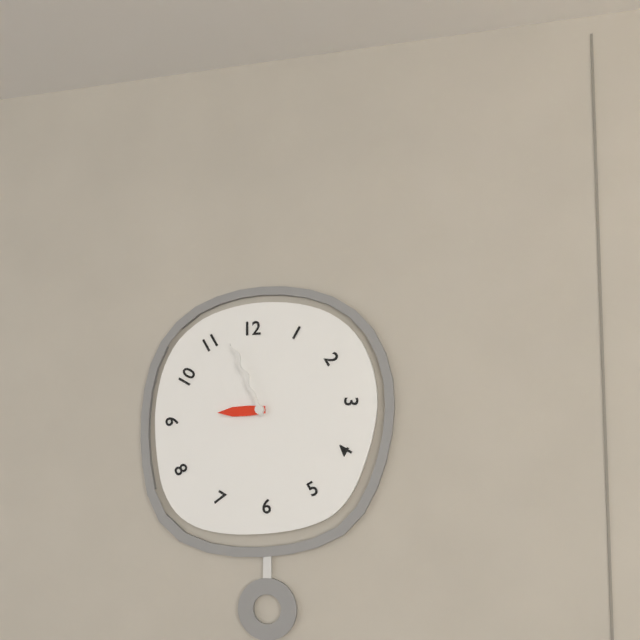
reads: 8,56
